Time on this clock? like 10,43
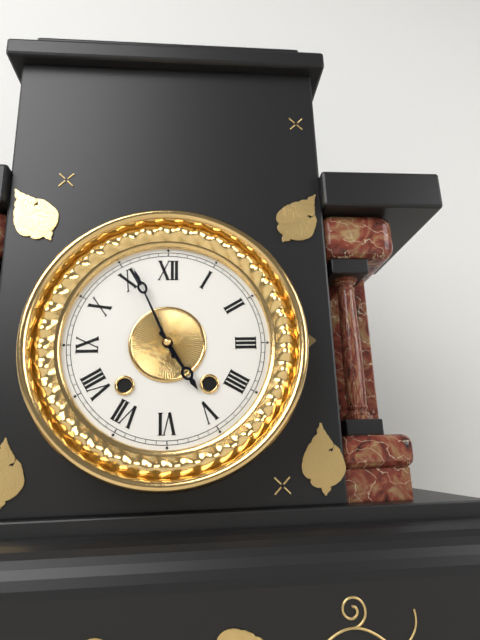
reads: 4,56
